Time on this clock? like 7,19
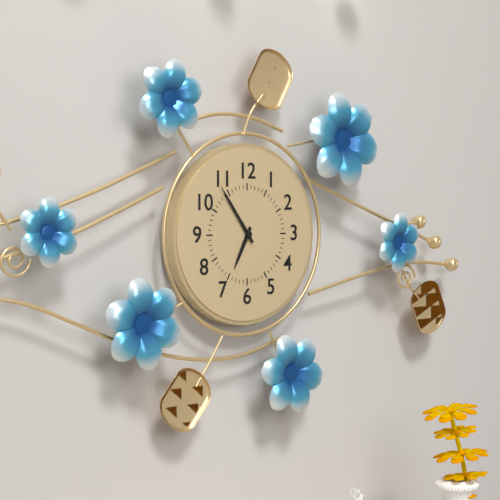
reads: 6,54
